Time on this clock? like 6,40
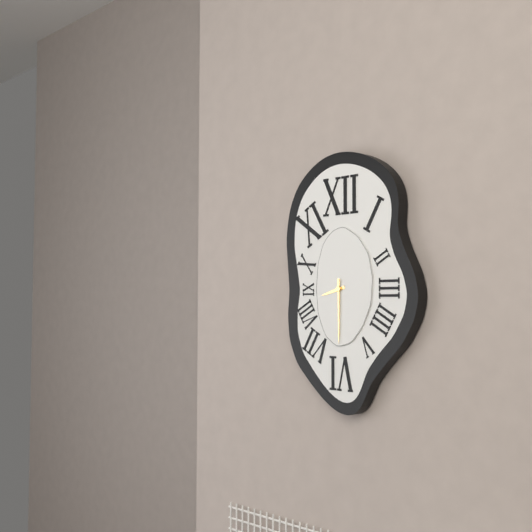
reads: 8,30
